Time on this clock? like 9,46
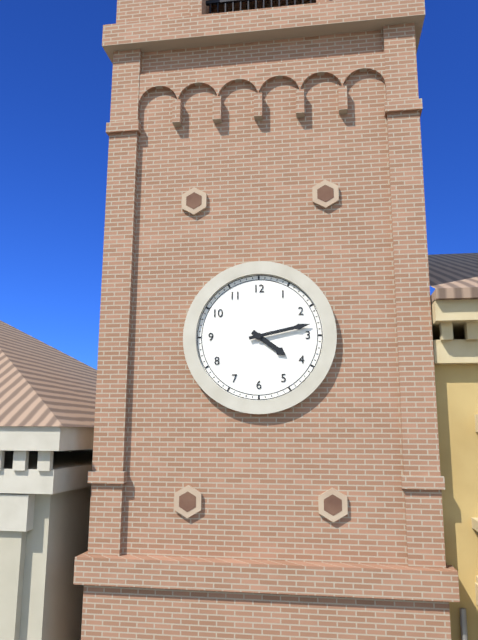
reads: 4,13
